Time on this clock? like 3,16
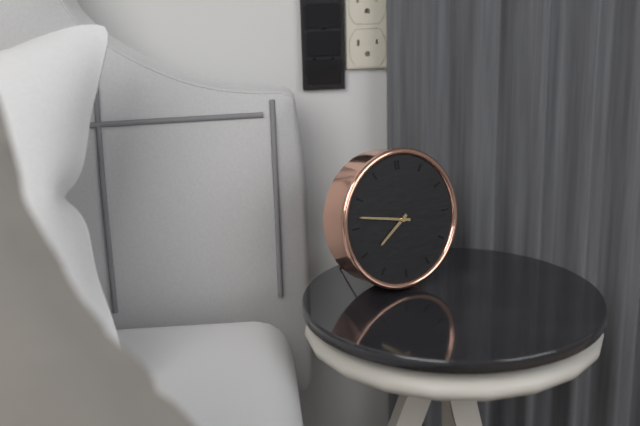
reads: 7,47
